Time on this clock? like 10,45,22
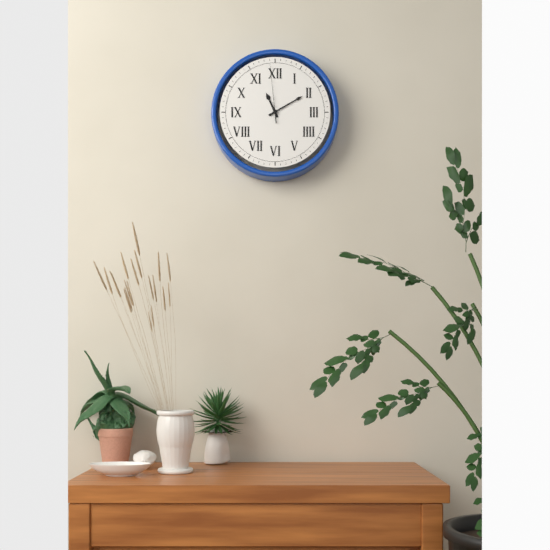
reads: 11,10,59
